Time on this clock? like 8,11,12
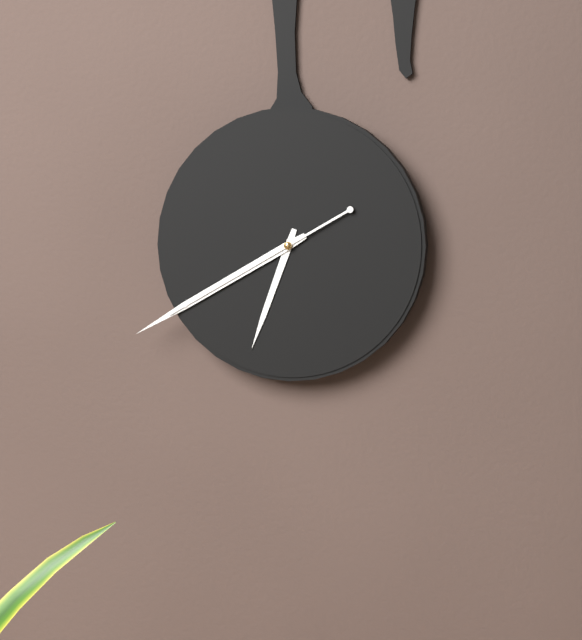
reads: 6,40,40
